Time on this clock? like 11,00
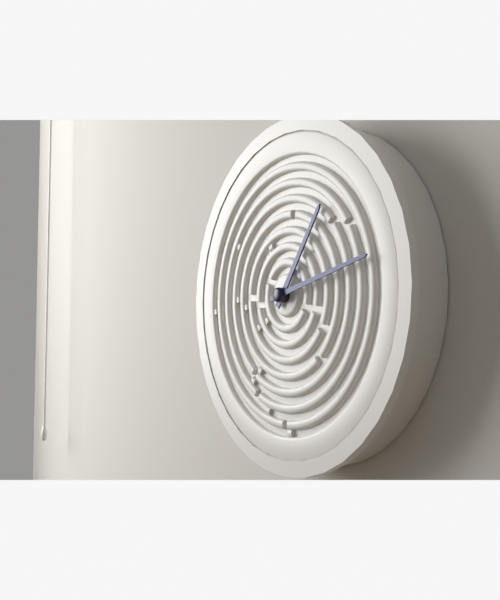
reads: 1,13
